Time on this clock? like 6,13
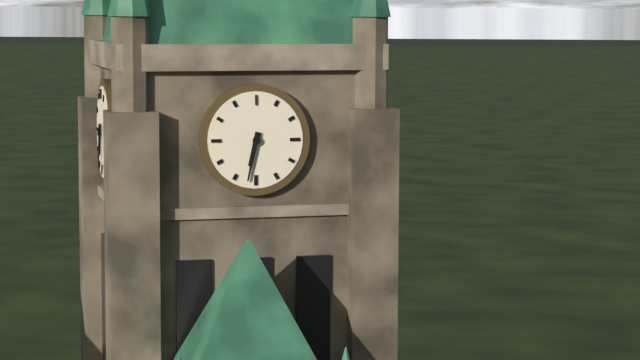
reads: 6,32
